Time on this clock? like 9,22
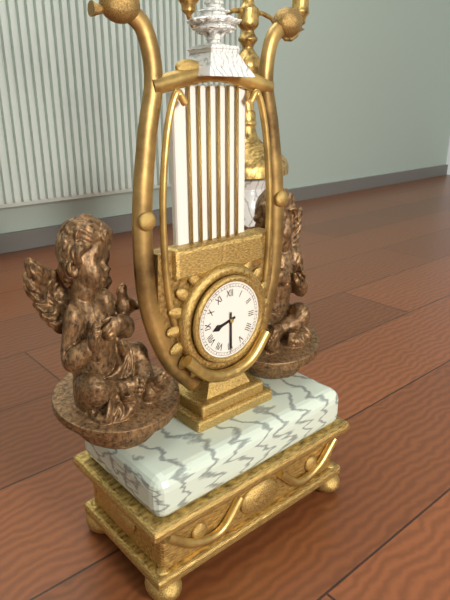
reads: 8,30
